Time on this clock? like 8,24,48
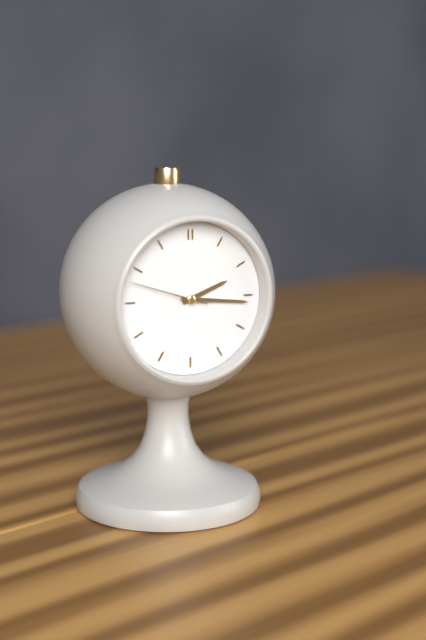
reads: 2,16,48
